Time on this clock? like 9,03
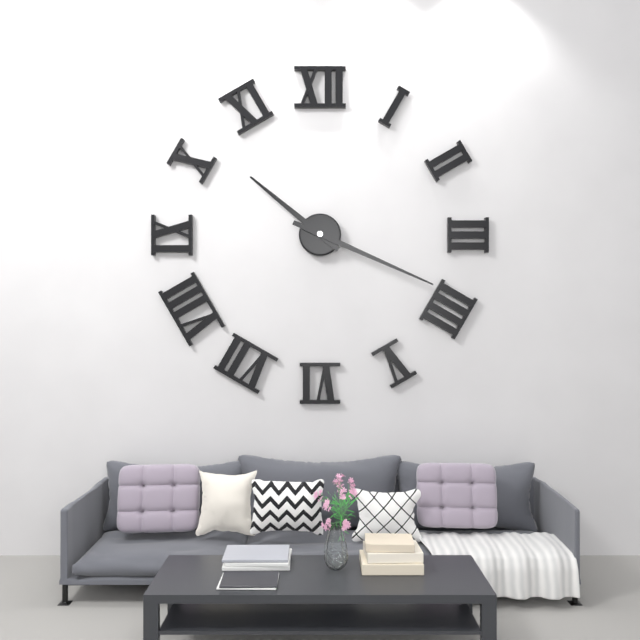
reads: 10,19
